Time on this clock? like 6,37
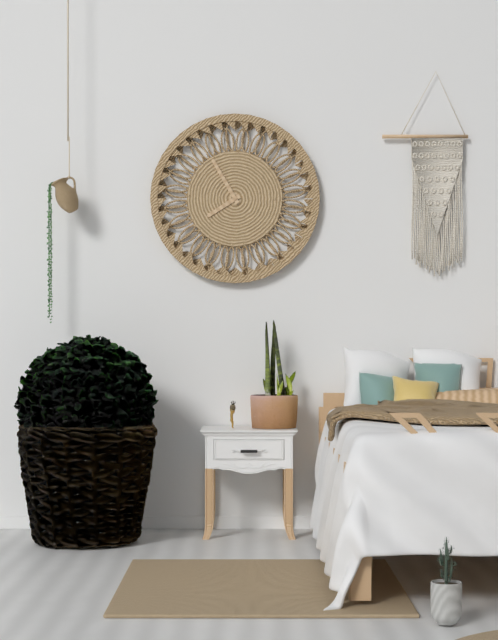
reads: 7,55
